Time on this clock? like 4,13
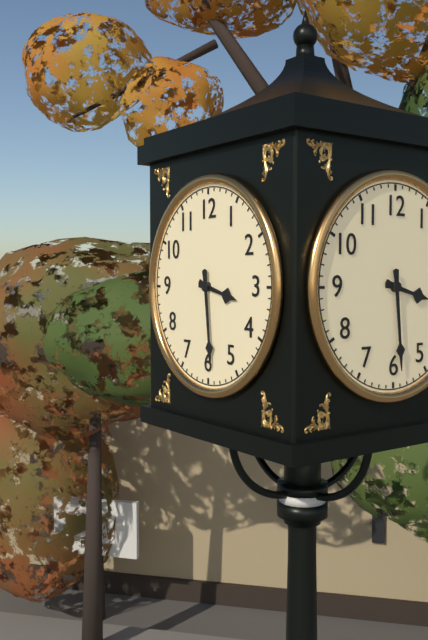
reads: 3,29
